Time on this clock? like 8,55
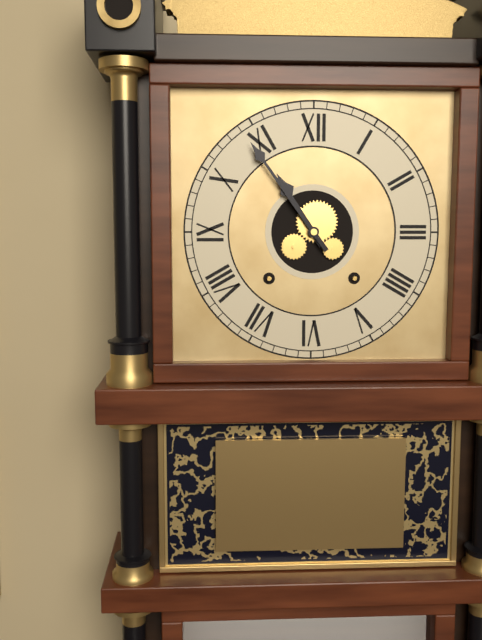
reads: 10,54
